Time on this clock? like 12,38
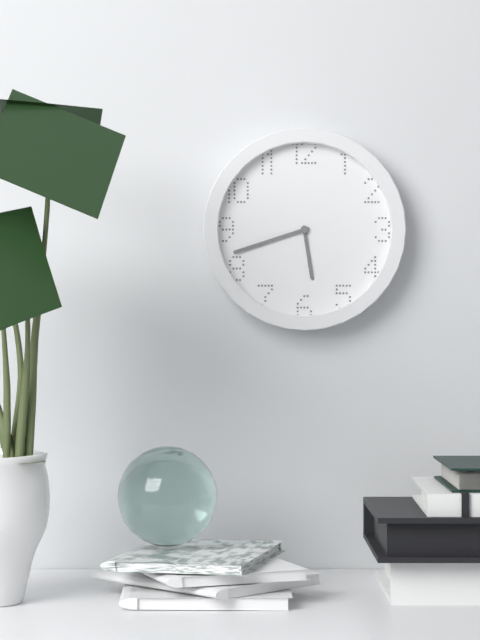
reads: 5,42
